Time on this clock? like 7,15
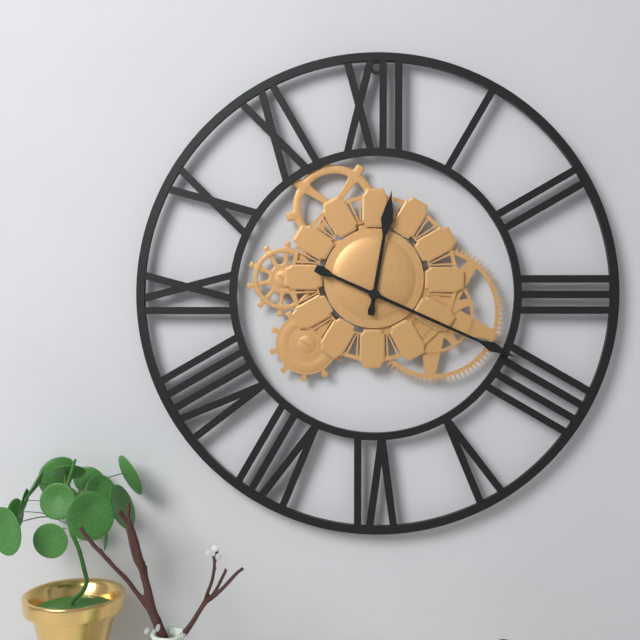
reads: 12,19
